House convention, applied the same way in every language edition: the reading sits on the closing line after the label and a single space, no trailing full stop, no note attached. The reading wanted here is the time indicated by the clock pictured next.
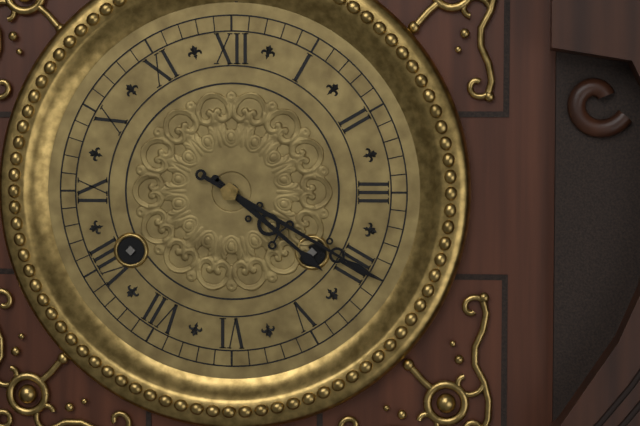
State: 4:20
